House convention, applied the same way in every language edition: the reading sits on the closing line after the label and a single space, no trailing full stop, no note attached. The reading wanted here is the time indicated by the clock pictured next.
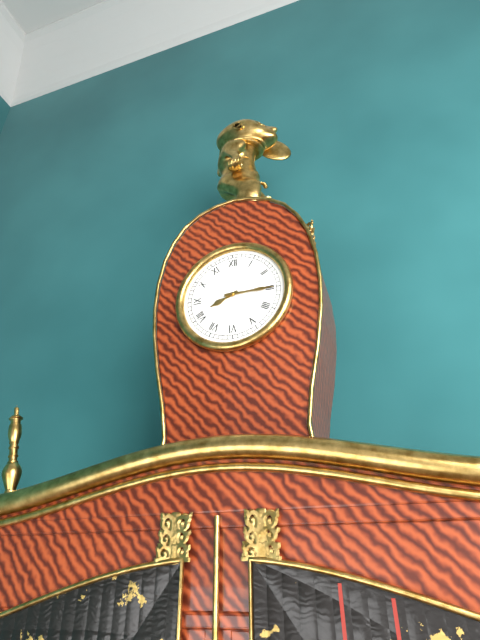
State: 8:15
